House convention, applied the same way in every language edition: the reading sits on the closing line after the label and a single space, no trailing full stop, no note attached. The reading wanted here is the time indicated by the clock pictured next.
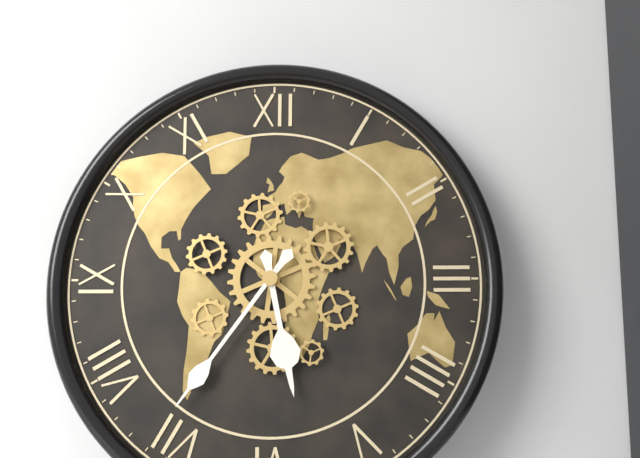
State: 5:36
